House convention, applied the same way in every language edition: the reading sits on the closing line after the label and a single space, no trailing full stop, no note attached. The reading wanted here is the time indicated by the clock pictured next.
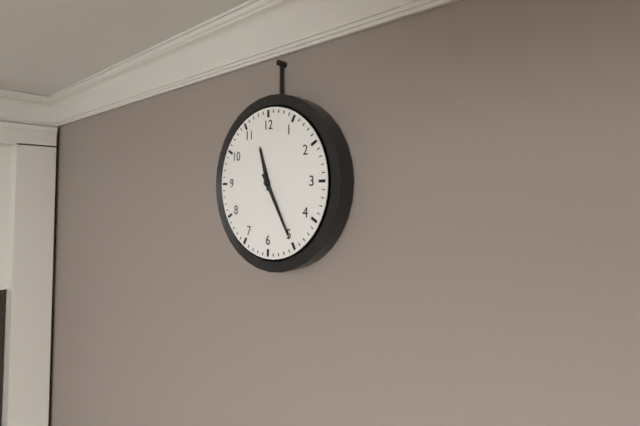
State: 11:25
